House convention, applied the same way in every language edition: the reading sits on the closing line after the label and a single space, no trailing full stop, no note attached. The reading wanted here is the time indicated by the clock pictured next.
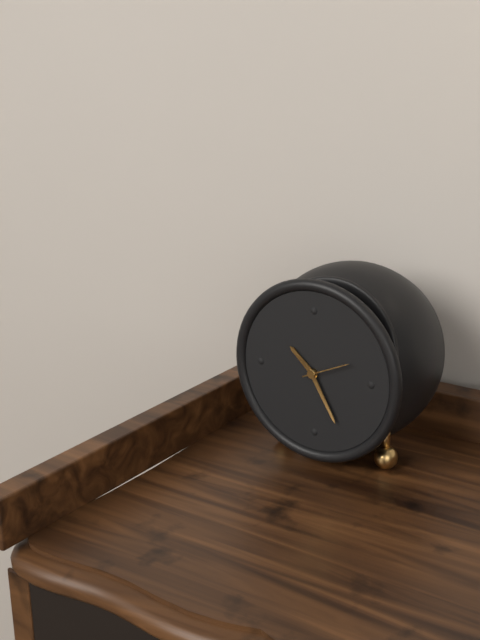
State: 10:25
